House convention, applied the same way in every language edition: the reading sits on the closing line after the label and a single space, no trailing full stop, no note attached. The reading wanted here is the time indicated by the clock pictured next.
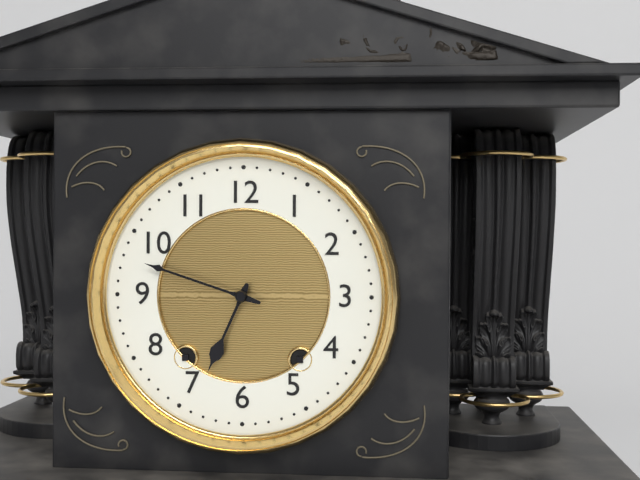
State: 6:48
